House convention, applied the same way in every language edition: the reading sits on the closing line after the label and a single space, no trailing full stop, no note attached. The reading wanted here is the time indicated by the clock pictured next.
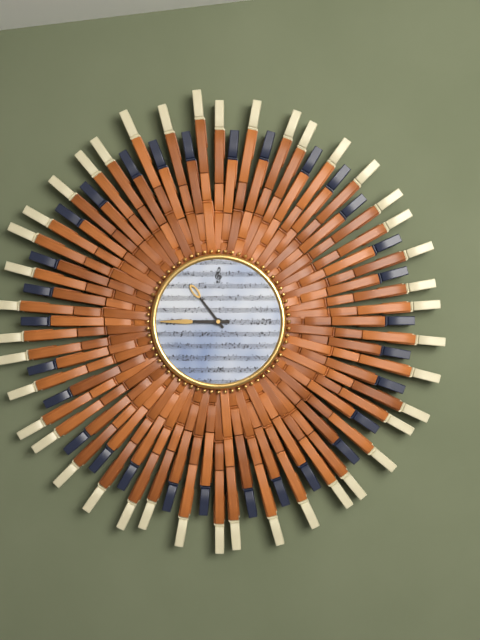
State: 10:45
